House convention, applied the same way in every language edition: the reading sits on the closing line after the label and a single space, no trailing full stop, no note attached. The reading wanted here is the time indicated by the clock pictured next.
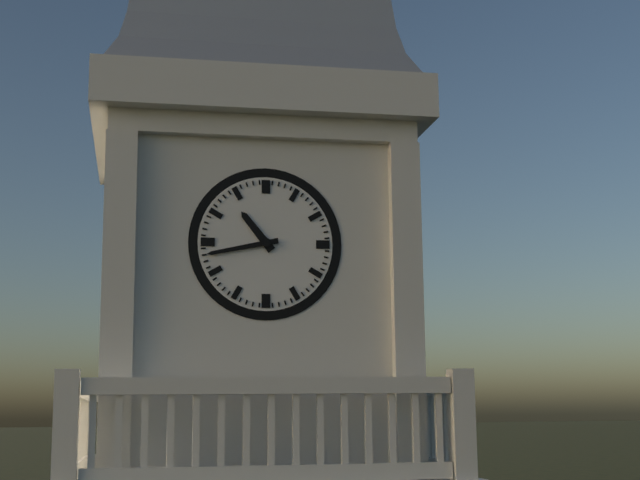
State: 10:43
